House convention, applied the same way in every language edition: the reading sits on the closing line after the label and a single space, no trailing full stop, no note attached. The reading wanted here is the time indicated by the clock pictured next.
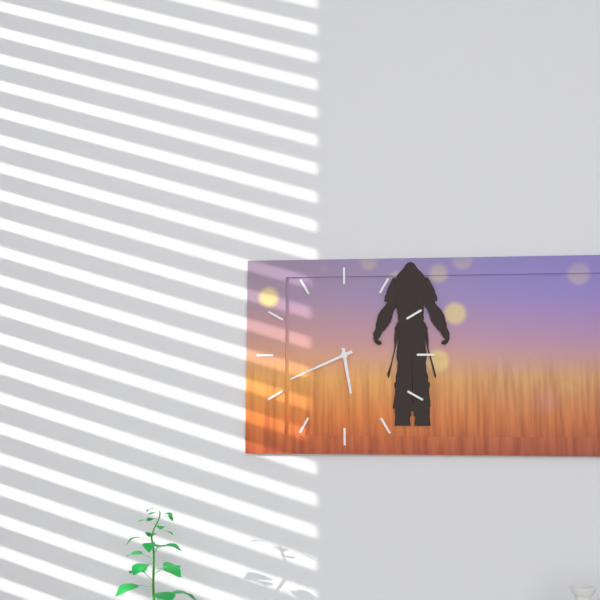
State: 5:41
